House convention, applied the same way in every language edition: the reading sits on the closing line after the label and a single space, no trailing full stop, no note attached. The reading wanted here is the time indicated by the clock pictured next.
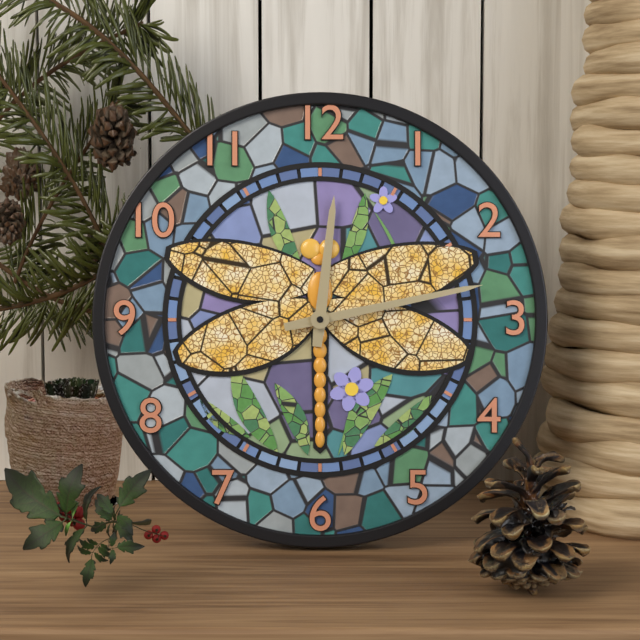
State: 12:13
